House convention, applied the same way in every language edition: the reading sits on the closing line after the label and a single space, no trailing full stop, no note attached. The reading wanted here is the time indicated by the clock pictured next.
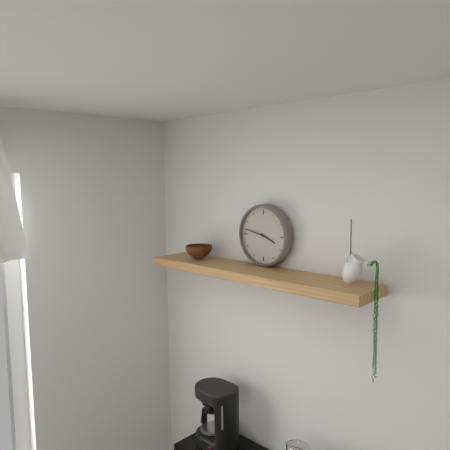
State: 3:47
